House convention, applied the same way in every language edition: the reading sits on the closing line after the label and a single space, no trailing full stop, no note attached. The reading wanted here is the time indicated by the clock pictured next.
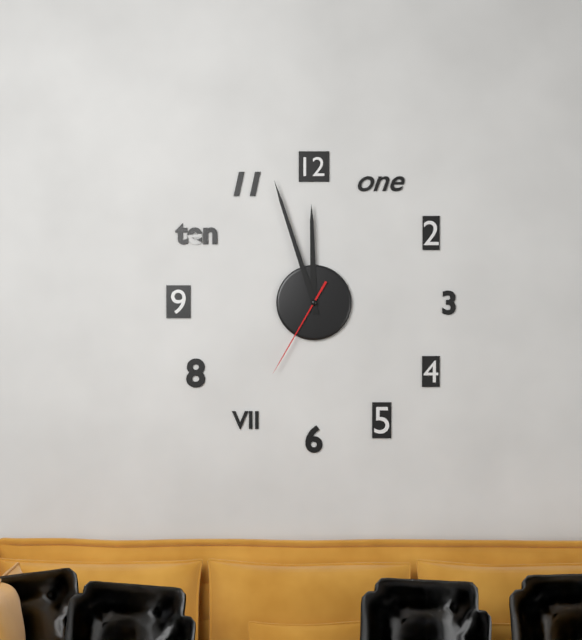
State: 11:57:35
